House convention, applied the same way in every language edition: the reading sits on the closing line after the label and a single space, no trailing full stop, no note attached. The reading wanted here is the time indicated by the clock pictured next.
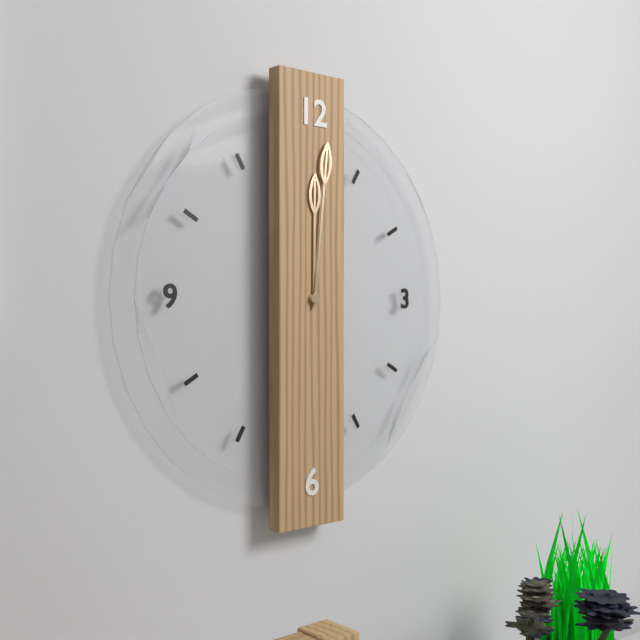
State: 12:01
